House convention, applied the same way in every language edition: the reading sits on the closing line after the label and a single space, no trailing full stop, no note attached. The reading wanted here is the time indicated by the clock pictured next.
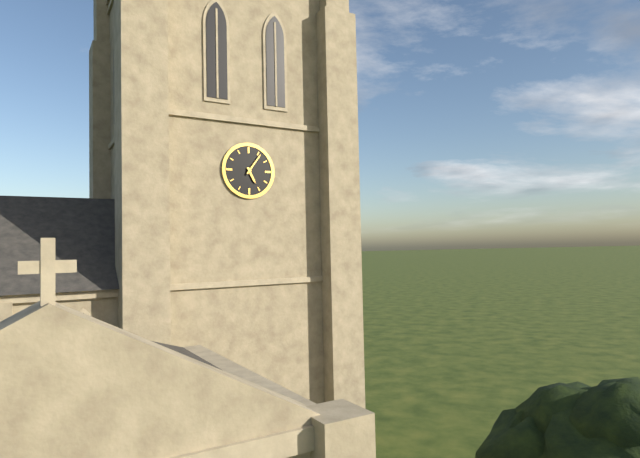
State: 5:06
